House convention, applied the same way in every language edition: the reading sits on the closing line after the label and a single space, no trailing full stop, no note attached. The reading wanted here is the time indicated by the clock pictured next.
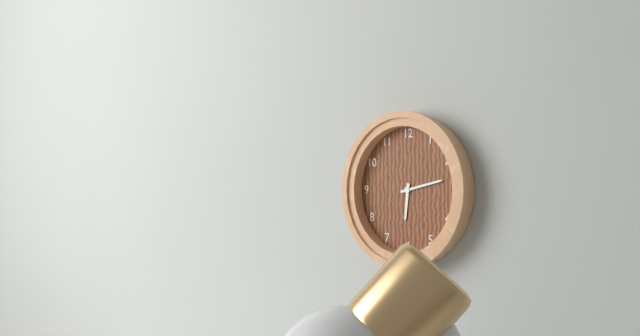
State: 6:13
